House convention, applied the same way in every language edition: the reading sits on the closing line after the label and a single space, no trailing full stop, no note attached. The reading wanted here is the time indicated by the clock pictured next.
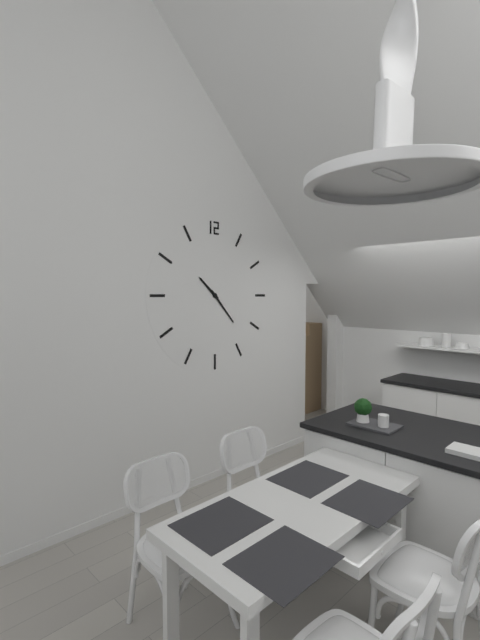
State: 10:23
